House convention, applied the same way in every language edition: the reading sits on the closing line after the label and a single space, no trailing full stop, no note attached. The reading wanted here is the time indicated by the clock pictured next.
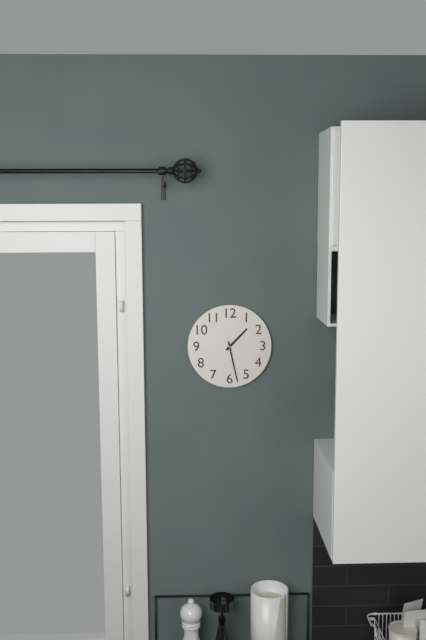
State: 1:28
